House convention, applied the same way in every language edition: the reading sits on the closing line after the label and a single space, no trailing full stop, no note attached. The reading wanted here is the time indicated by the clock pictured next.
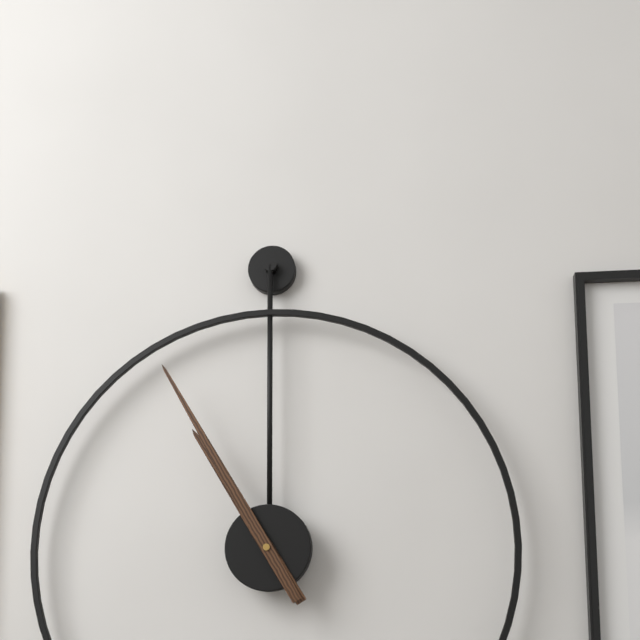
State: 10:55
